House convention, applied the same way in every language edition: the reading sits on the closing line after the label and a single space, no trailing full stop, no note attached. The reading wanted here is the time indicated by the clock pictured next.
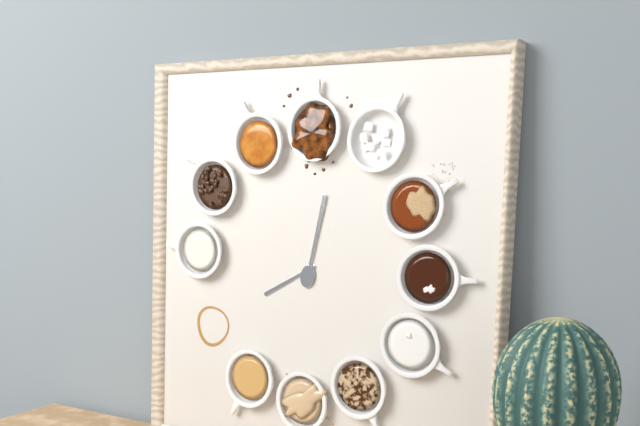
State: 8:02
